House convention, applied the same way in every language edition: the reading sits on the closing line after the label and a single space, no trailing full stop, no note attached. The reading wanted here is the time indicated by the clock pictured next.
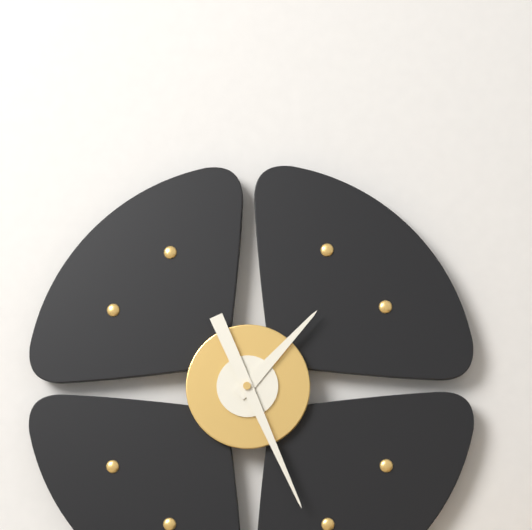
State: 1:26
